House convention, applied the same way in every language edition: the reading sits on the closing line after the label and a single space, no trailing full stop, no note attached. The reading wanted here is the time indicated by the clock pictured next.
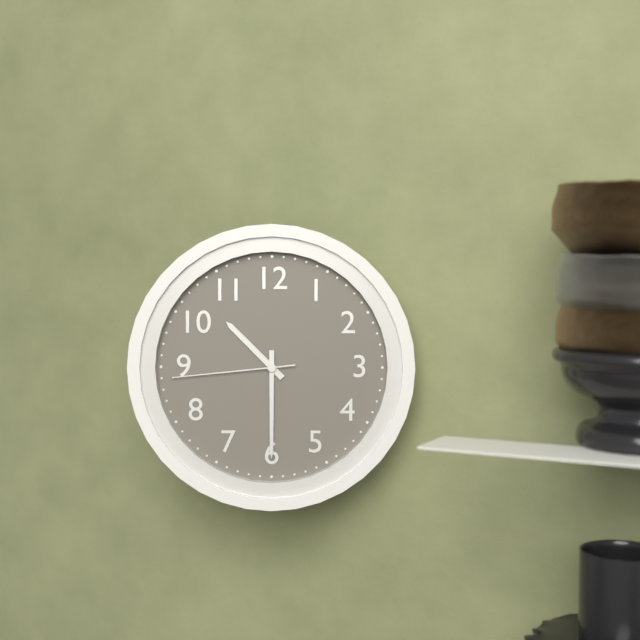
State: 10:30:44
